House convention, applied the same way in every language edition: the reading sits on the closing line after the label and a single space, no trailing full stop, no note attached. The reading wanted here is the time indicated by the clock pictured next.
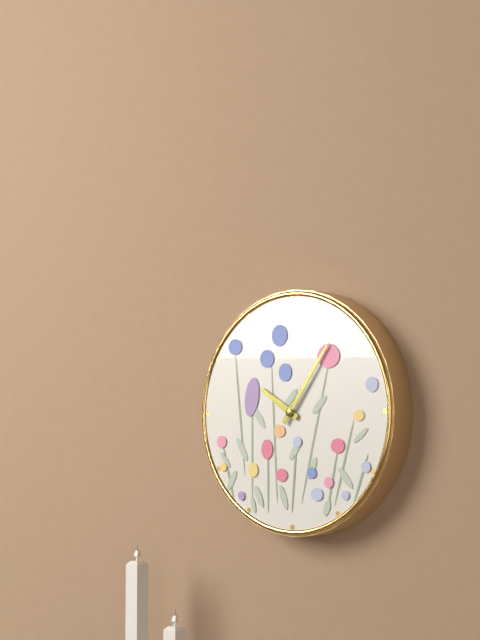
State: 10:06
